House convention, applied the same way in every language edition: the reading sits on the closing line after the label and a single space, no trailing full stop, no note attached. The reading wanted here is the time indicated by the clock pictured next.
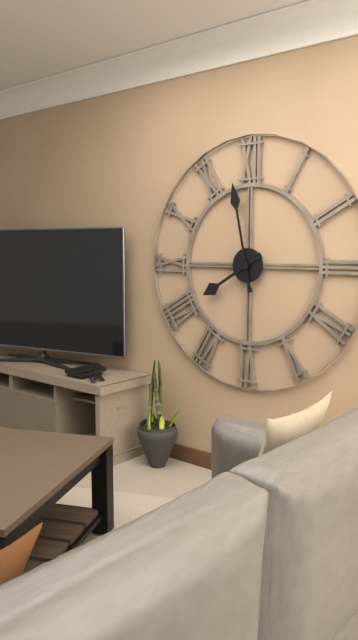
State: 7:58
